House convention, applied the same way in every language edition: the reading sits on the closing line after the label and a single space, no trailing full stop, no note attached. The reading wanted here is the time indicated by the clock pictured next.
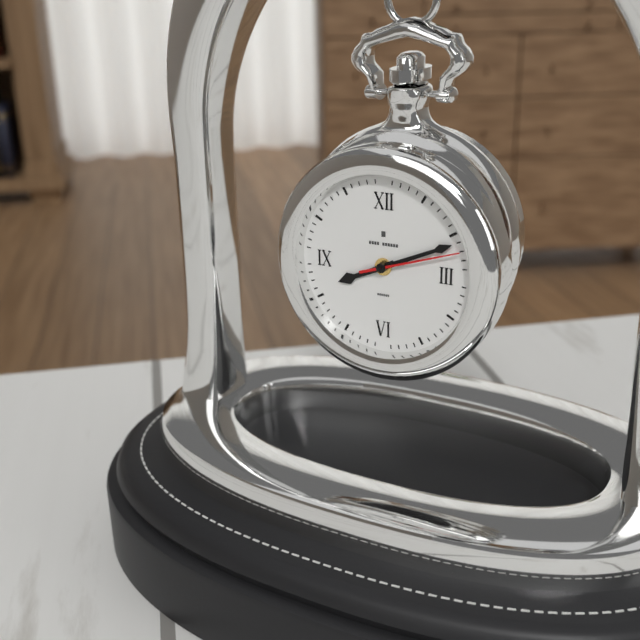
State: 8:11:12
